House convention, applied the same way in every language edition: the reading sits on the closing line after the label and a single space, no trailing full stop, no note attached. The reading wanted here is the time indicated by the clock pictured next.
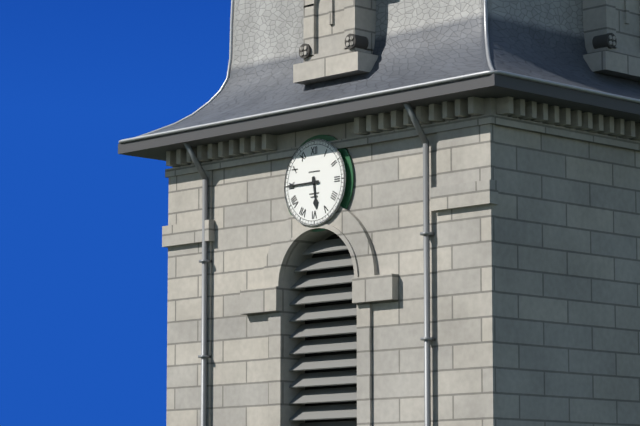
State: 5:45
